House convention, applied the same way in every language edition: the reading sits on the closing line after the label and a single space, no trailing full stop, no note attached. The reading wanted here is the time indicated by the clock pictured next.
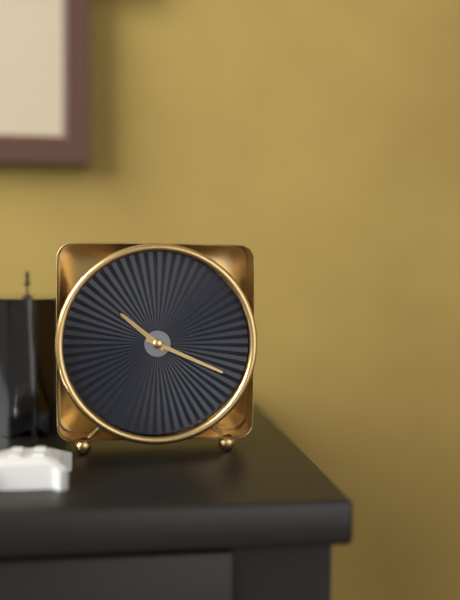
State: 10:19
